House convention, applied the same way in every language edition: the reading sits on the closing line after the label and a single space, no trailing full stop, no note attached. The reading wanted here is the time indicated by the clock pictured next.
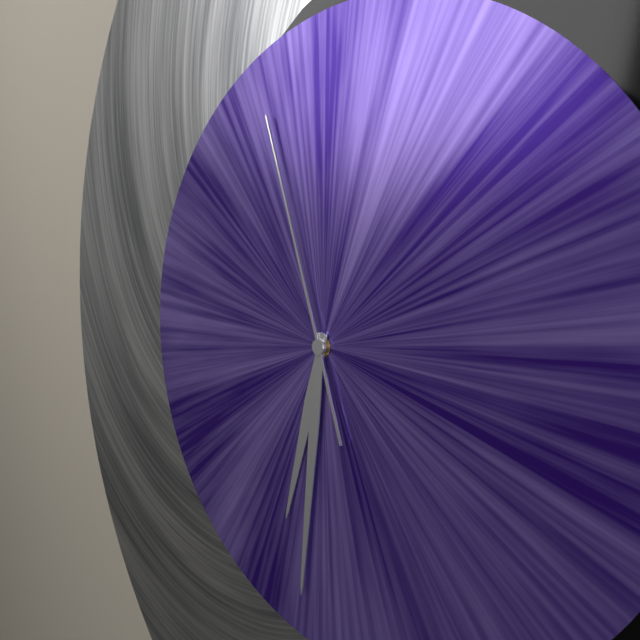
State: 6:31:57
